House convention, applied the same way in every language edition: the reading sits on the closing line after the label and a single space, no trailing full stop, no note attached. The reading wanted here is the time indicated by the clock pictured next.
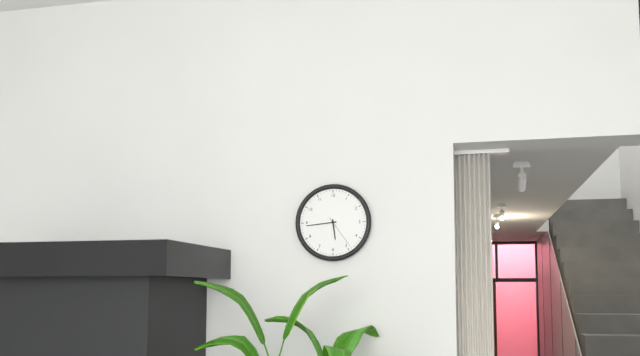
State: 5:44
